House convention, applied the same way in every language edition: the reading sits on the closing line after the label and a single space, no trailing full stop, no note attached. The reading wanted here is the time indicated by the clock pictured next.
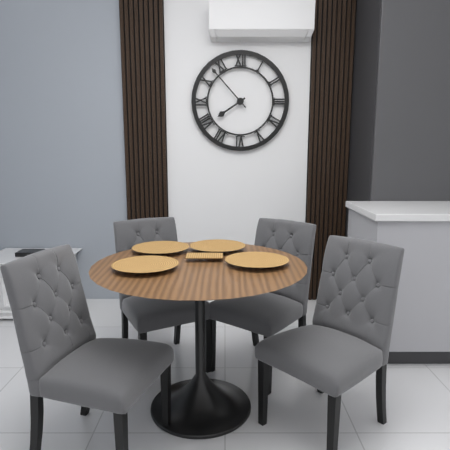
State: 7:53
